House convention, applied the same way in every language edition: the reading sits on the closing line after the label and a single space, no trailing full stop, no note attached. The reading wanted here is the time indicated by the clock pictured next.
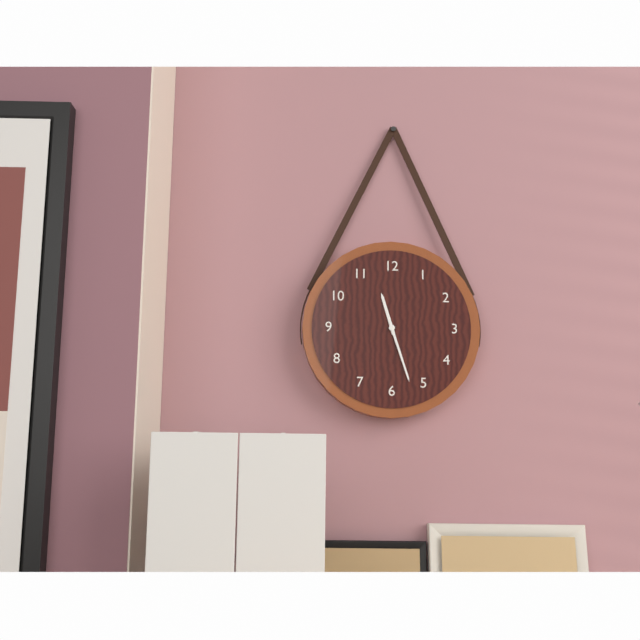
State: 11:27
